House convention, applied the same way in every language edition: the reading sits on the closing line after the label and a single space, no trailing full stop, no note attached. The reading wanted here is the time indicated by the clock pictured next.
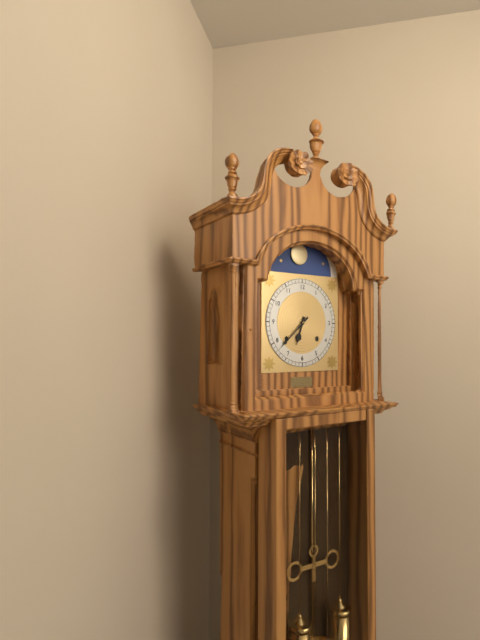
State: 6:38
